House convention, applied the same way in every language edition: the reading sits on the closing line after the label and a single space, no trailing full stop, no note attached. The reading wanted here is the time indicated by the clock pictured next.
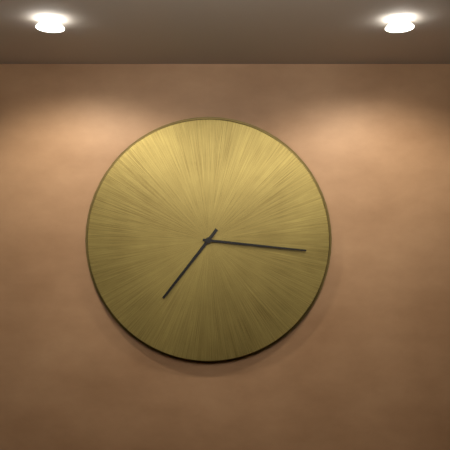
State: 7:16
